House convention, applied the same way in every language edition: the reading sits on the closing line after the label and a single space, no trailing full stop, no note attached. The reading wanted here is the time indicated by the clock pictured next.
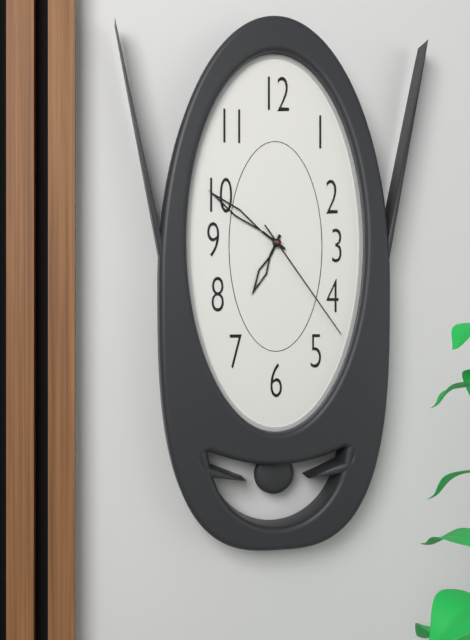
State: 6:51:24
